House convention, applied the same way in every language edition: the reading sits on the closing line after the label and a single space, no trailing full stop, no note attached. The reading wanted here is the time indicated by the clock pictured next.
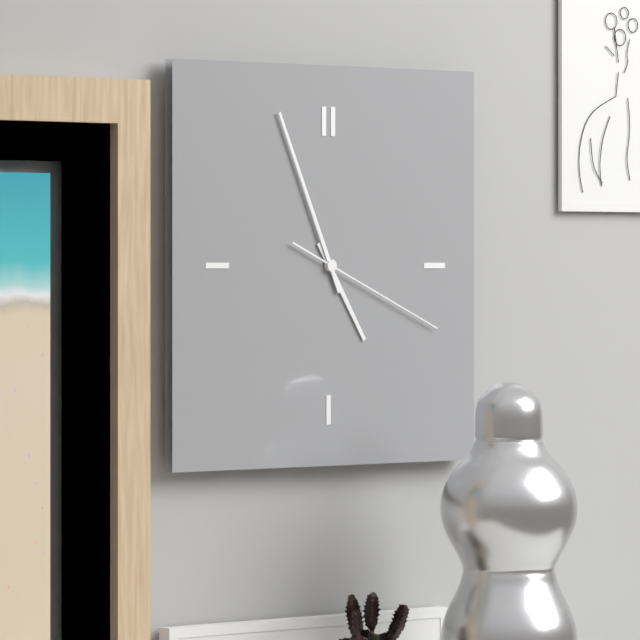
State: 4:56:19
